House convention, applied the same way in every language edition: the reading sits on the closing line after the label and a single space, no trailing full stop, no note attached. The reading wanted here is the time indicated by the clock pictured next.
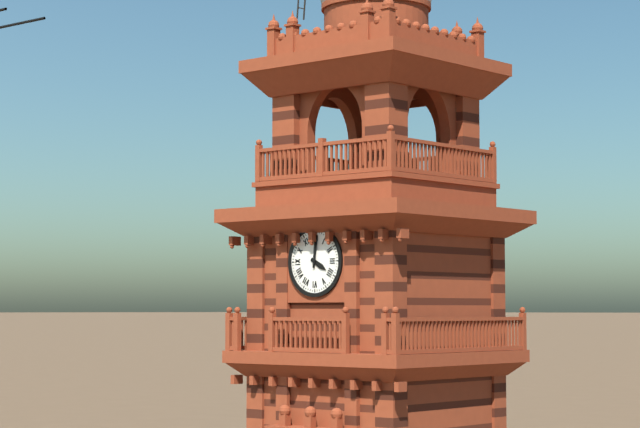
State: 4:01
